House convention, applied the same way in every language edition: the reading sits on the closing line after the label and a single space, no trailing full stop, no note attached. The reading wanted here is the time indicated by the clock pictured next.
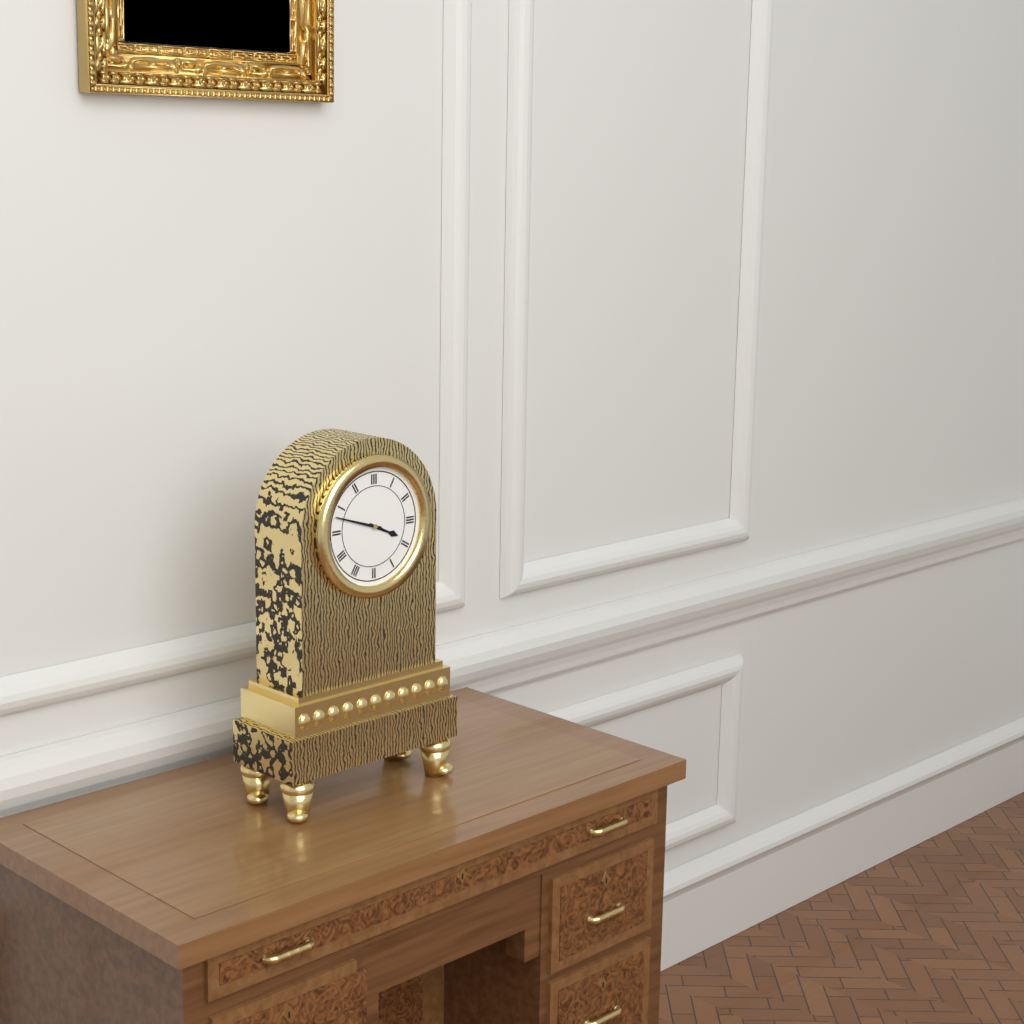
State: 3:48
